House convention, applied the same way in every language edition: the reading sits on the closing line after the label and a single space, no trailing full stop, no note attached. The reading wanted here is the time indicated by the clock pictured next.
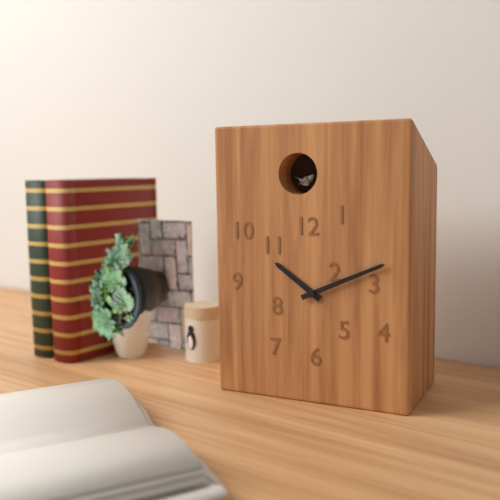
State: 10:11
